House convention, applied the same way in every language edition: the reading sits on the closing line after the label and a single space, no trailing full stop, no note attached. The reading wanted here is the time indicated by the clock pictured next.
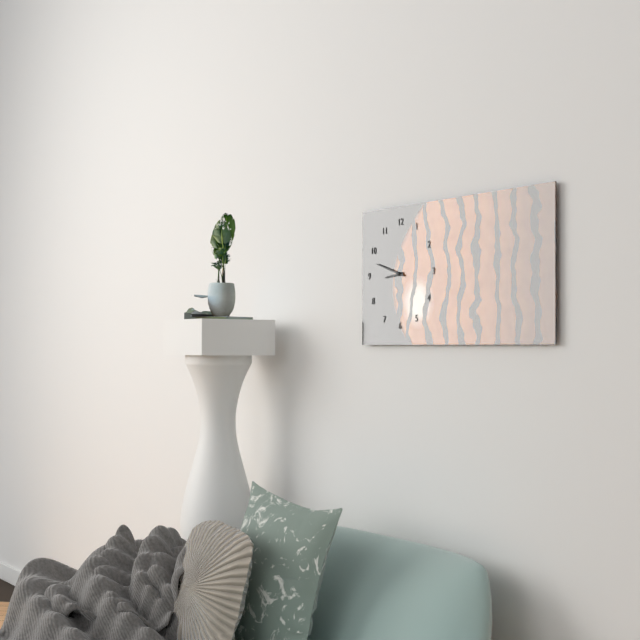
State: 8:48
